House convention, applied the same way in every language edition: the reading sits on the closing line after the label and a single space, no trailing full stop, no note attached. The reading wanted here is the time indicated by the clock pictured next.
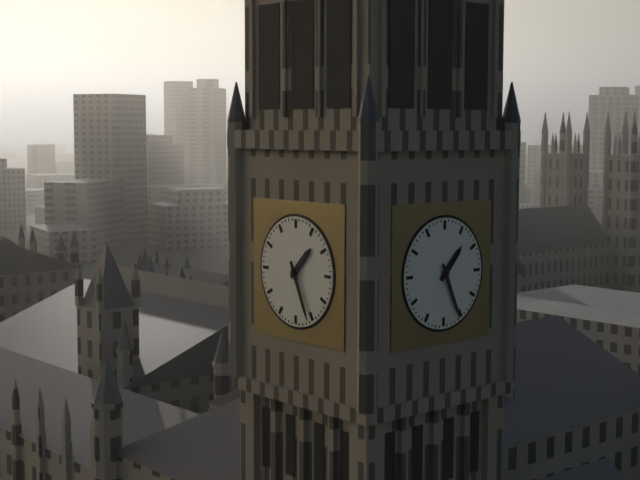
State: 1:26
